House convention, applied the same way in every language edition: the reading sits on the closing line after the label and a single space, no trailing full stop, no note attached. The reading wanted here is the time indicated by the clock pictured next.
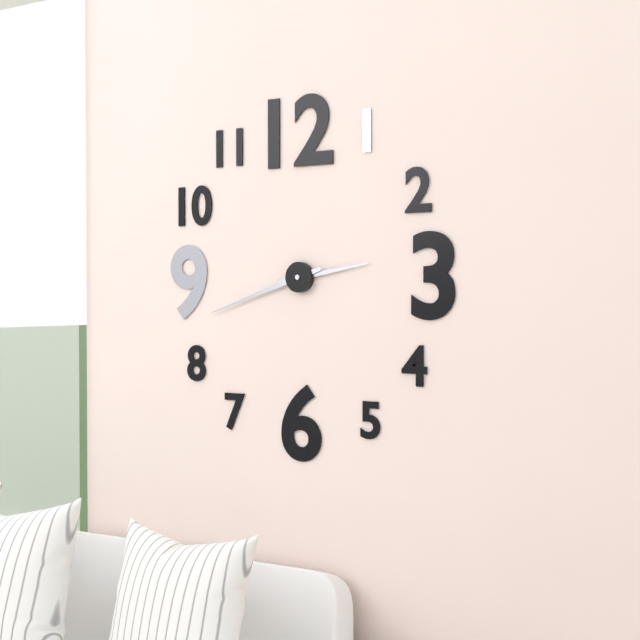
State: 2:42
